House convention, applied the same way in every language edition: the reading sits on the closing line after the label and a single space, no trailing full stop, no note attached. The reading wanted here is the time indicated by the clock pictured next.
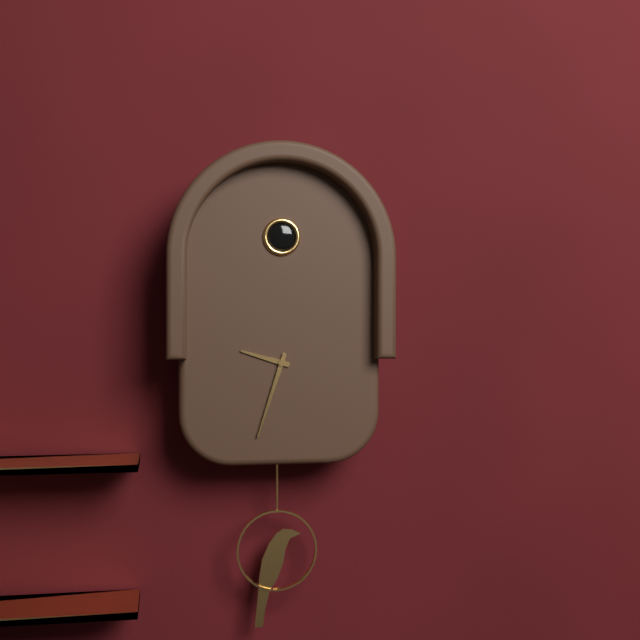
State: 9:33
